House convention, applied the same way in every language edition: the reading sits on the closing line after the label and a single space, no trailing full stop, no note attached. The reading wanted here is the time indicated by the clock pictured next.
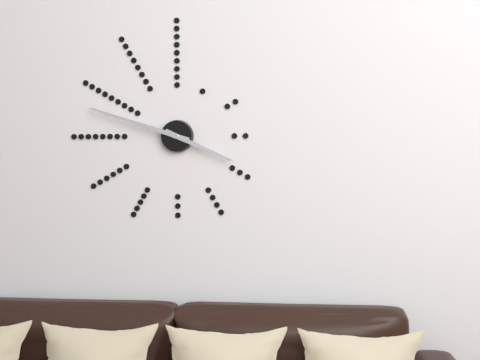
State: 3:48
